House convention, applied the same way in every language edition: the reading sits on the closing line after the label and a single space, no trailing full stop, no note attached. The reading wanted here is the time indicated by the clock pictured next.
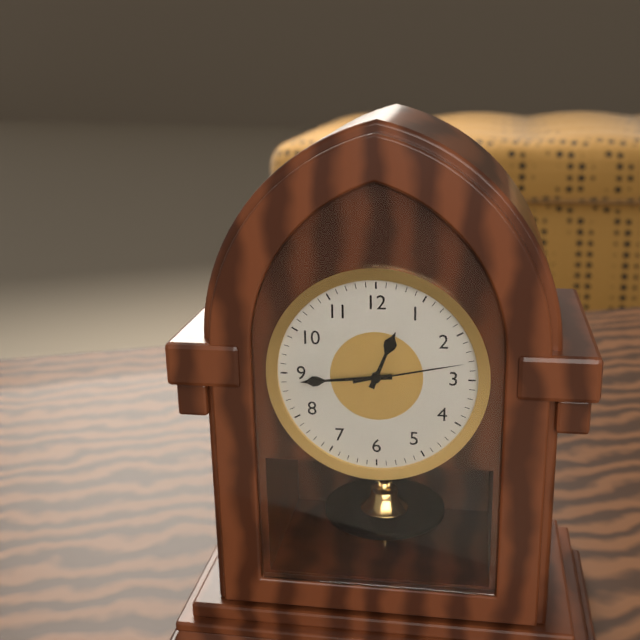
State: 12:44:13
